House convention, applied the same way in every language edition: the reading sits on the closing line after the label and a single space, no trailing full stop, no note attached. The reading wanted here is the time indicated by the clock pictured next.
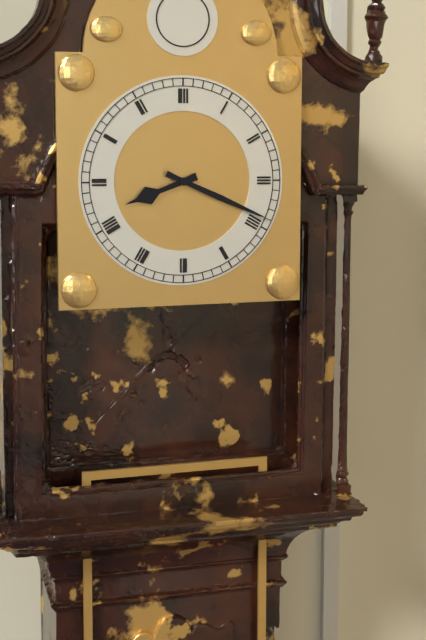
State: 8:19
